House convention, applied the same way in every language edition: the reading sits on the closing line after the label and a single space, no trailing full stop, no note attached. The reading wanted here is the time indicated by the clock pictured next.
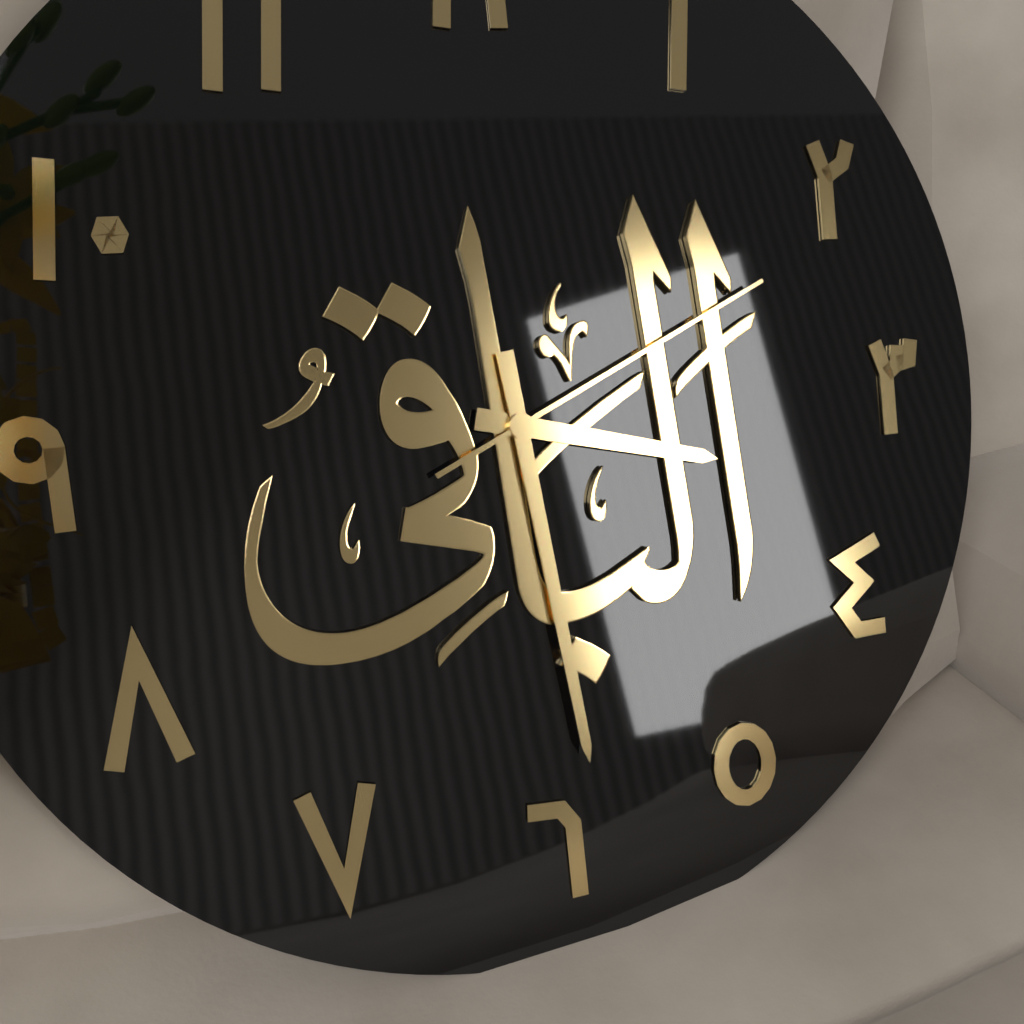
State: 3:29:11
